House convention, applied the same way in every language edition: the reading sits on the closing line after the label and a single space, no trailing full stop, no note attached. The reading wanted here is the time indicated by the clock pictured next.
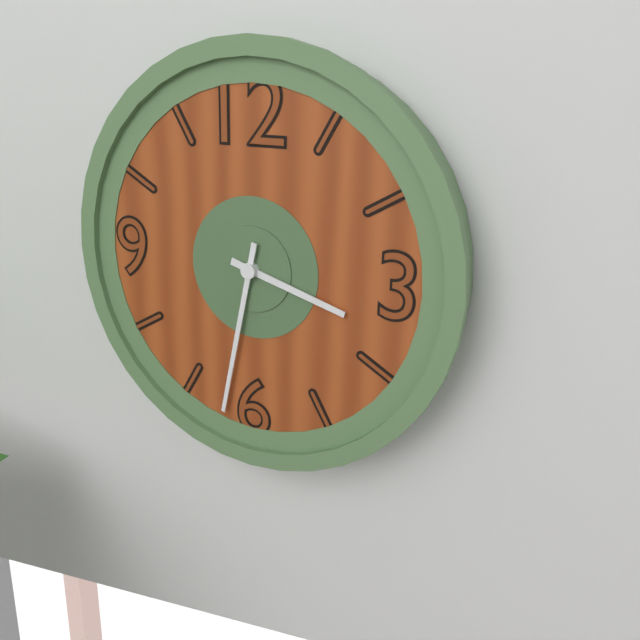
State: 3:32
